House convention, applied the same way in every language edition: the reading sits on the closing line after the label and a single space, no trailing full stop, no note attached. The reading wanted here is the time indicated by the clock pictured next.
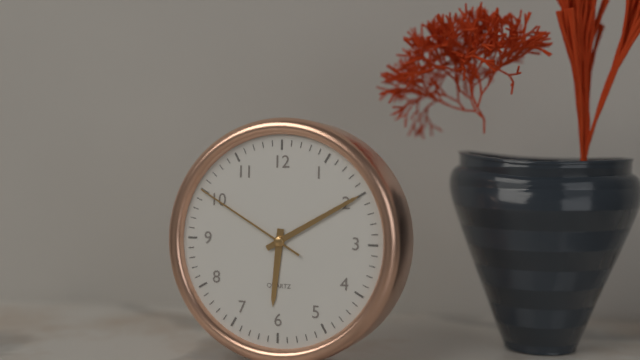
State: 6:10:50
